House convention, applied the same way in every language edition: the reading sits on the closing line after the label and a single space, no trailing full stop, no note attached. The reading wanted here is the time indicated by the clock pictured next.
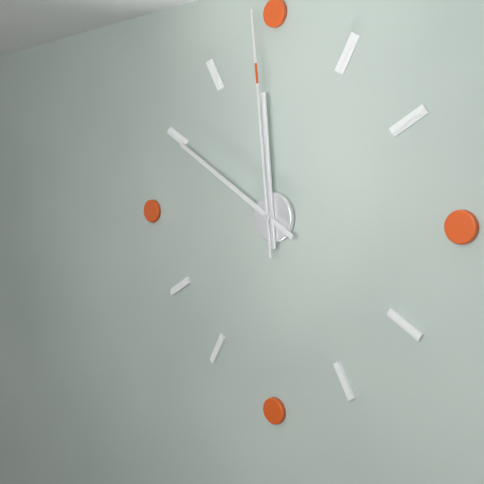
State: 11:50:59
